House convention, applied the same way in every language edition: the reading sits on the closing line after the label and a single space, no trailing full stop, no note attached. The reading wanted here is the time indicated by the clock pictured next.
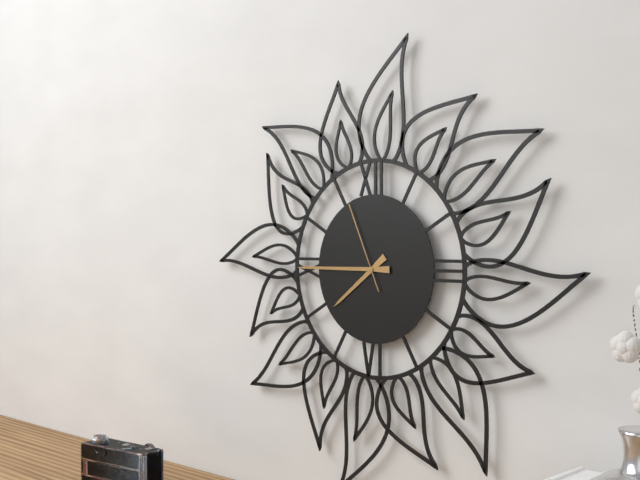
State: 7:45:56
